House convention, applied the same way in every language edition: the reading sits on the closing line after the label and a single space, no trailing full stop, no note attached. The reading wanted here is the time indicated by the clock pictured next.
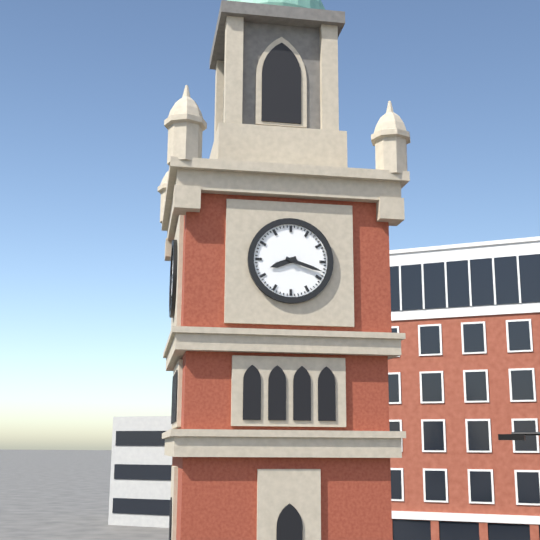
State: 8:18
